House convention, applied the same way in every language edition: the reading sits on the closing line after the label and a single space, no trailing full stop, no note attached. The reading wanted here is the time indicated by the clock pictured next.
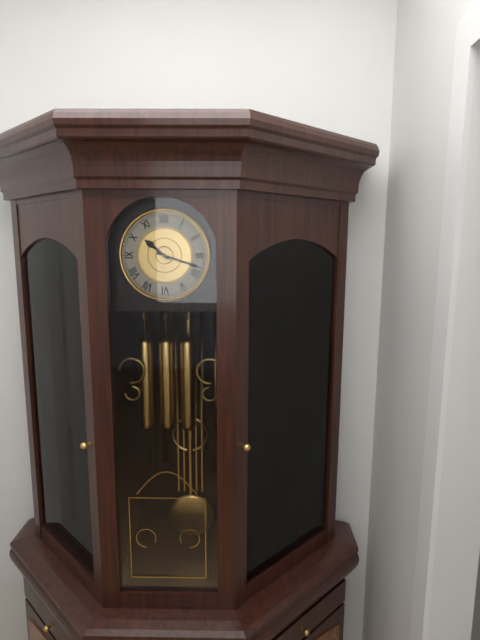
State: 10:18
